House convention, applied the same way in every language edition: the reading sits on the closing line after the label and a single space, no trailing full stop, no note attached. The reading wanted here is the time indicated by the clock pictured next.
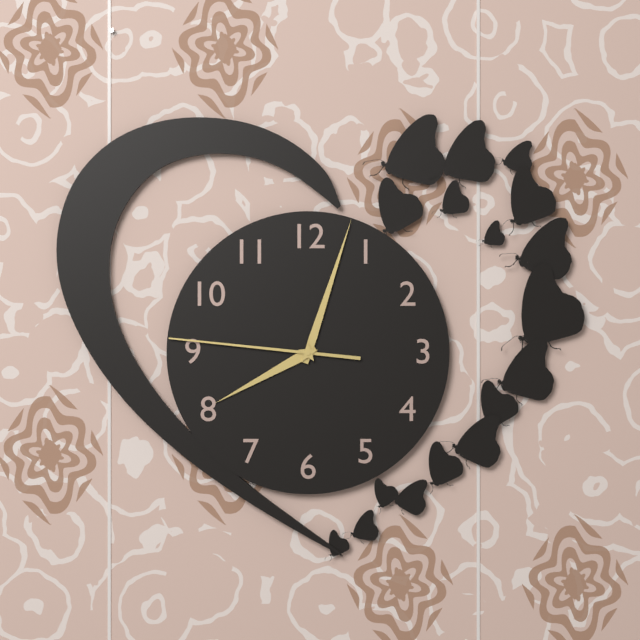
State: 8:03:46
